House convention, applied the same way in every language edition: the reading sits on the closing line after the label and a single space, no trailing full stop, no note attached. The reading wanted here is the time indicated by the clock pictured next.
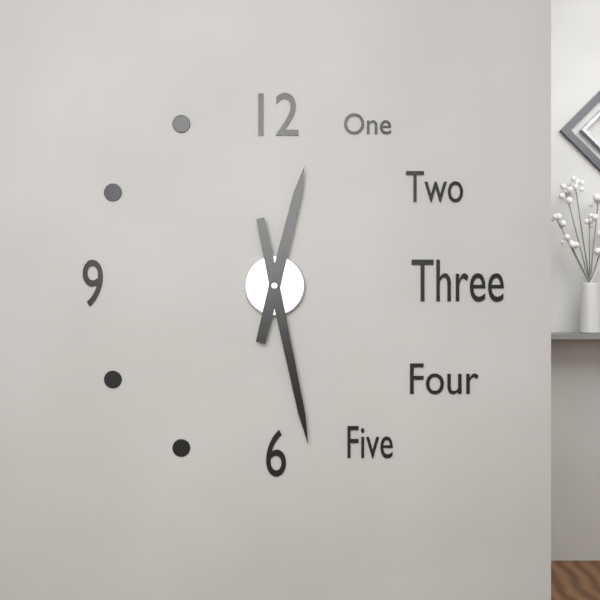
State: 12:28
